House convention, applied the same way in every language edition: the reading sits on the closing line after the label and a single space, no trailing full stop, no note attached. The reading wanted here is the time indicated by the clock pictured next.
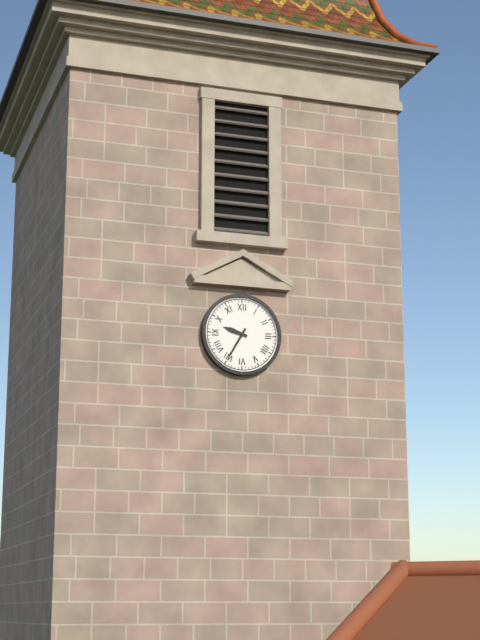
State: 9:35
